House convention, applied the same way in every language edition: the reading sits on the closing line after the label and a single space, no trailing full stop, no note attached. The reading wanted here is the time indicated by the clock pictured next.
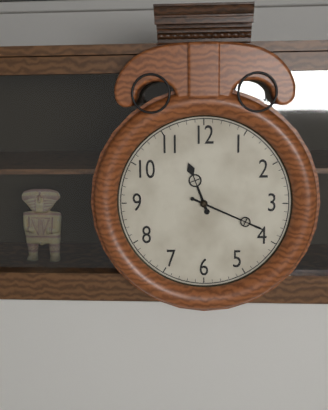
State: 11:19
